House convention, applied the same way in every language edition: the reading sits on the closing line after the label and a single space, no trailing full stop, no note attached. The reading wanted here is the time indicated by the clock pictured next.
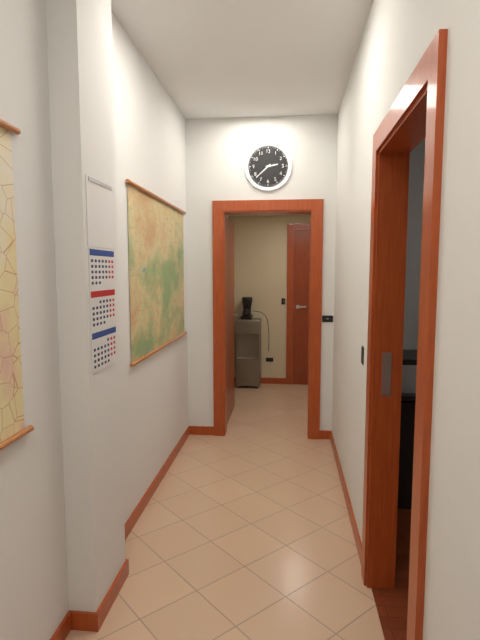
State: 2:38
